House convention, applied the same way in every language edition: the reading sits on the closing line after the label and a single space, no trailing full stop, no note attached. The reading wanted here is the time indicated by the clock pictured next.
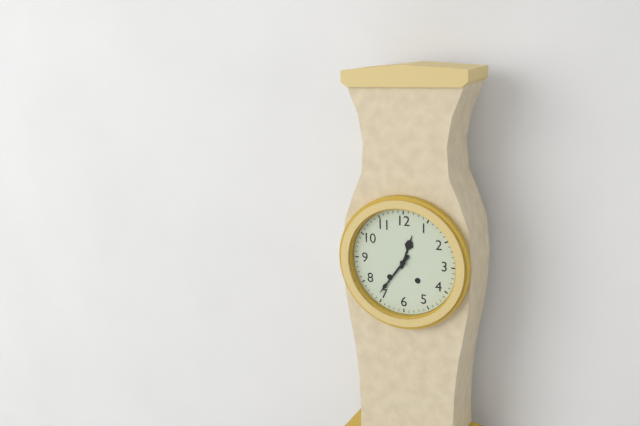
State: 12:36
